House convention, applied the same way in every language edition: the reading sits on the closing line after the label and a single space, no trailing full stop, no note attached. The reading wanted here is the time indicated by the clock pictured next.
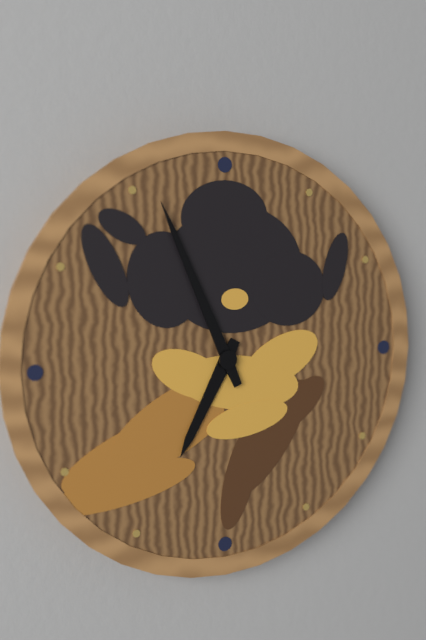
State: 6:56
